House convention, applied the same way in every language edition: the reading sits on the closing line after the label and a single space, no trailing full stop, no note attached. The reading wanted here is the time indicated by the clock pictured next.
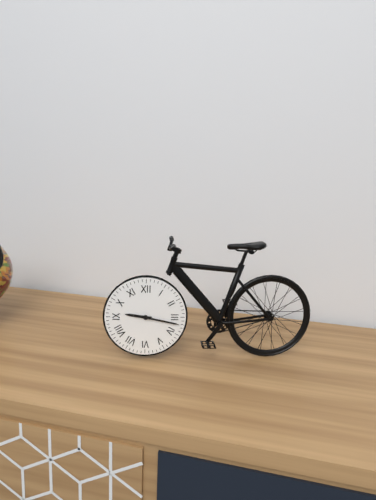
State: 9:17
